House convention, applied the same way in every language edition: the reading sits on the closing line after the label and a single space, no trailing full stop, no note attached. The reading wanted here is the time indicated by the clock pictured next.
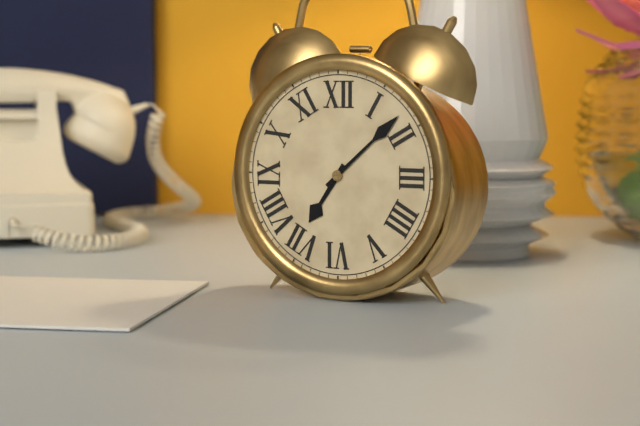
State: 7:08
